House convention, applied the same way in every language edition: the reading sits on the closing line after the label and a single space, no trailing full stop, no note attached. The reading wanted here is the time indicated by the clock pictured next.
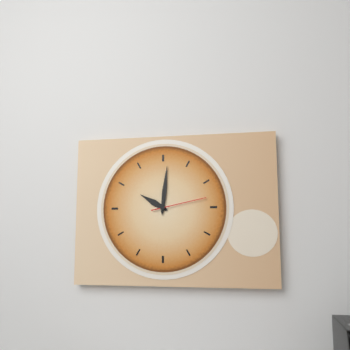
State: 10:01:13
